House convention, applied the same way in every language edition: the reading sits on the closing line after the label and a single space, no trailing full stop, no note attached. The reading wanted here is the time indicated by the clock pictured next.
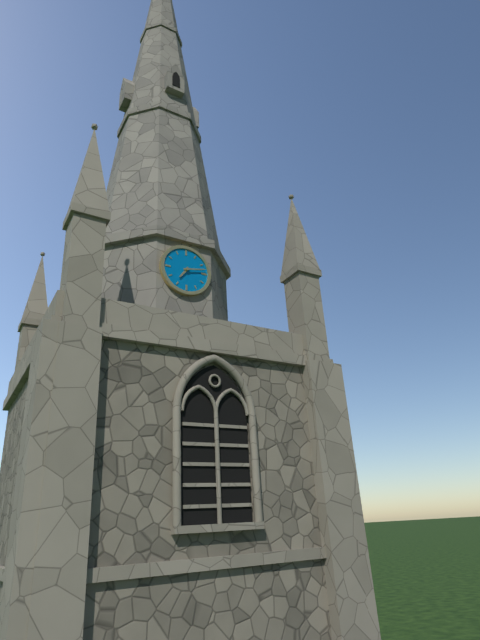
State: 7:13
